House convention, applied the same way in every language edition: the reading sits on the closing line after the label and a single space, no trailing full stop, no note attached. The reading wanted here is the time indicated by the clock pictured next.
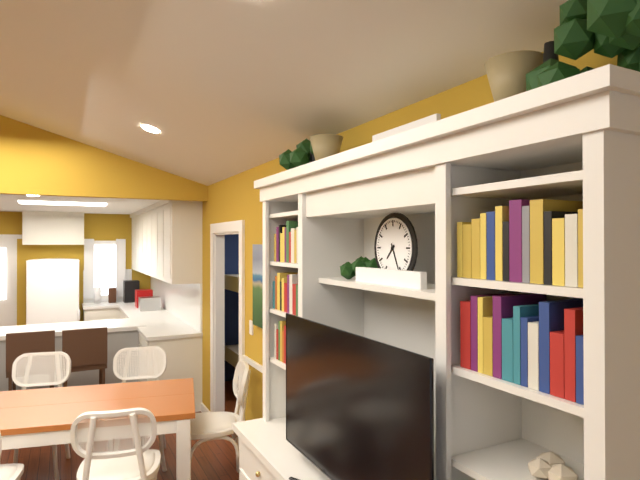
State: 7:26
